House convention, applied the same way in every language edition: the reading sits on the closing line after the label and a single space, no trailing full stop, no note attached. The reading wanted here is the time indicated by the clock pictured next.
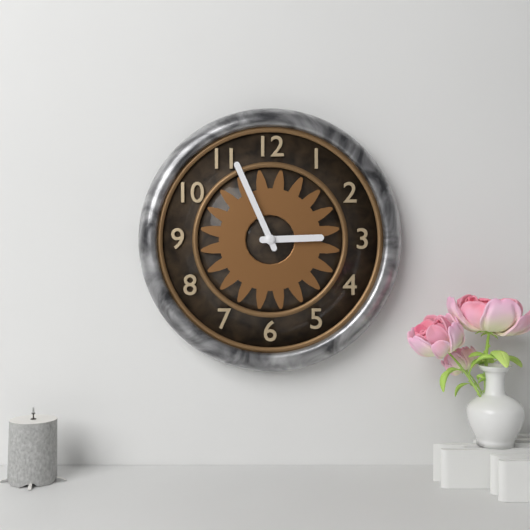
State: 2:56
